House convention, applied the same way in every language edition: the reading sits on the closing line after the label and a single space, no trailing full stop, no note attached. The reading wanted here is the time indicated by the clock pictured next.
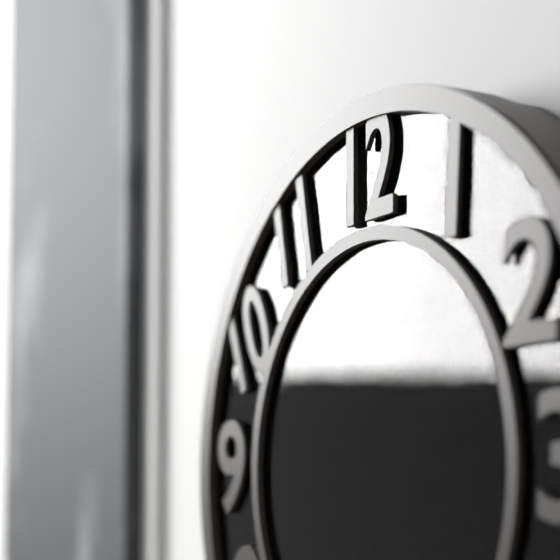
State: 11:53
